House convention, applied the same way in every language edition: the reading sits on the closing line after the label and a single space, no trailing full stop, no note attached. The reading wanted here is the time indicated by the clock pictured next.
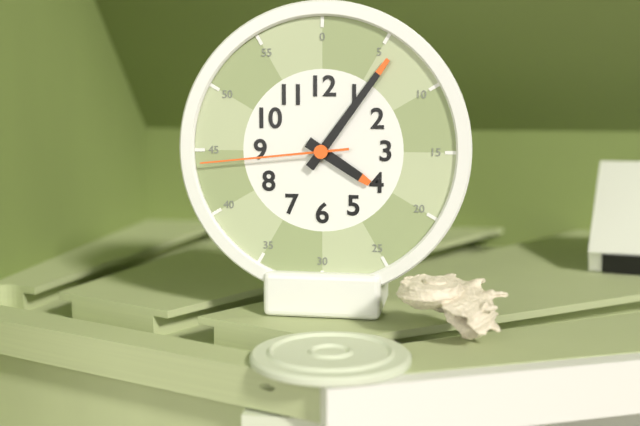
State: 4:06:44
